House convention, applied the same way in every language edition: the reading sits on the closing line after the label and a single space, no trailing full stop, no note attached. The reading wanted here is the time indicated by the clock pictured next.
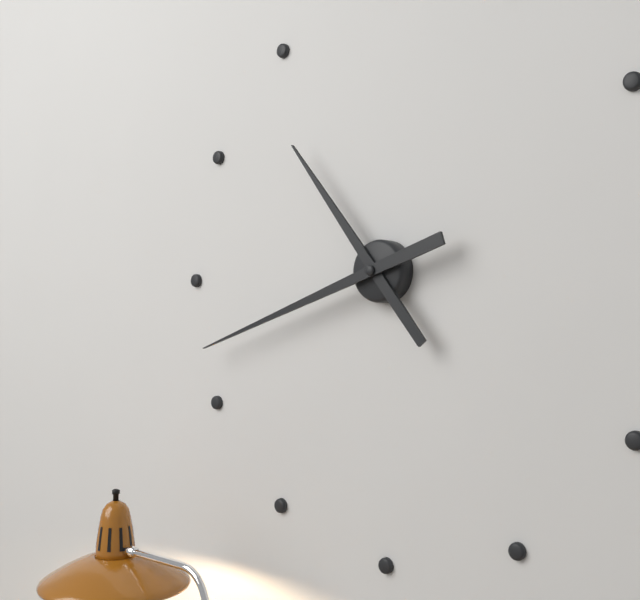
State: 10:42
